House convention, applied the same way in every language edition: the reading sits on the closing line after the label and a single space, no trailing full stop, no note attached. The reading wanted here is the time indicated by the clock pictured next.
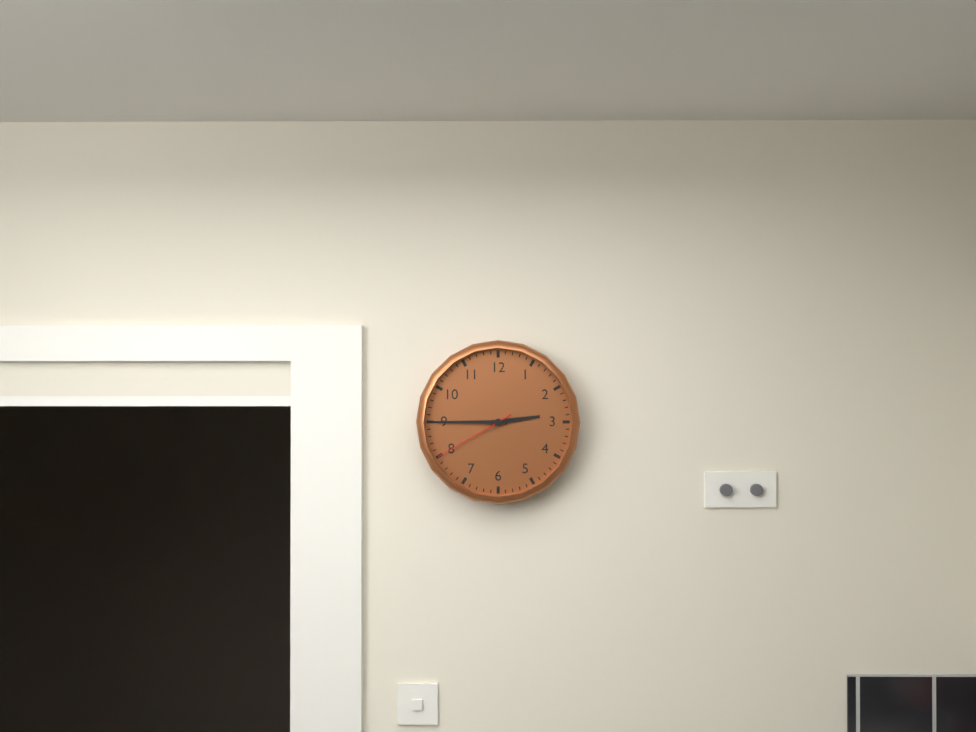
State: 2:45:40
